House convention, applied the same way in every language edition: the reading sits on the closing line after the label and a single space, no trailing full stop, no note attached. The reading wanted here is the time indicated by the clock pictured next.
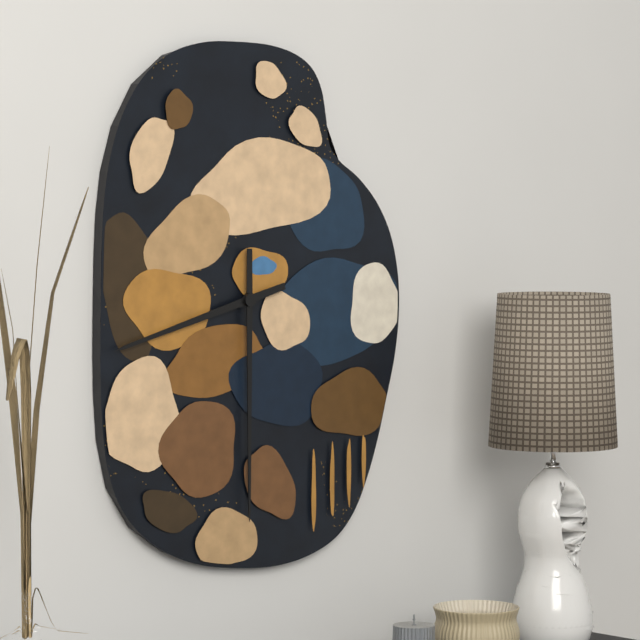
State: 8:30
